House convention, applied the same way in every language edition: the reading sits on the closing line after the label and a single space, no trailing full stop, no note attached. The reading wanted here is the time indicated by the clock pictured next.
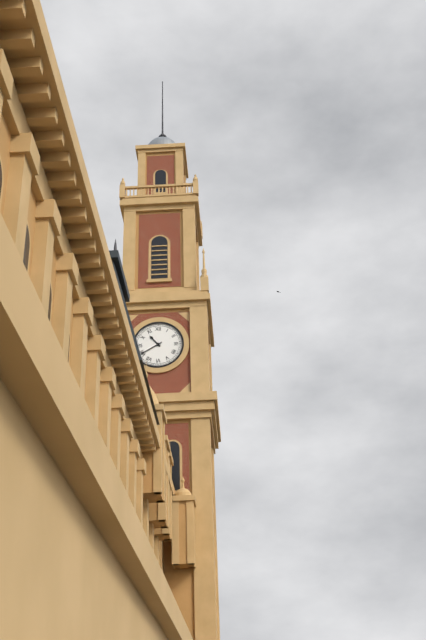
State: 10:40
